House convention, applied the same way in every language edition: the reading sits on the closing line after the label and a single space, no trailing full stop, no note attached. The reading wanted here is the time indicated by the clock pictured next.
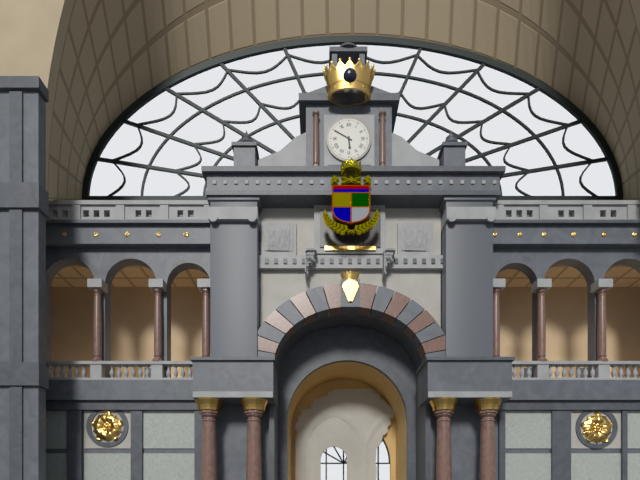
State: 5:50
